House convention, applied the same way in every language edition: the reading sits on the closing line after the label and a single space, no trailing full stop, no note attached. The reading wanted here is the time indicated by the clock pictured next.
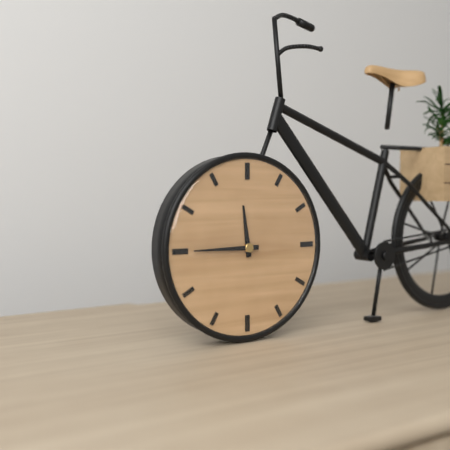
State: 11:45
